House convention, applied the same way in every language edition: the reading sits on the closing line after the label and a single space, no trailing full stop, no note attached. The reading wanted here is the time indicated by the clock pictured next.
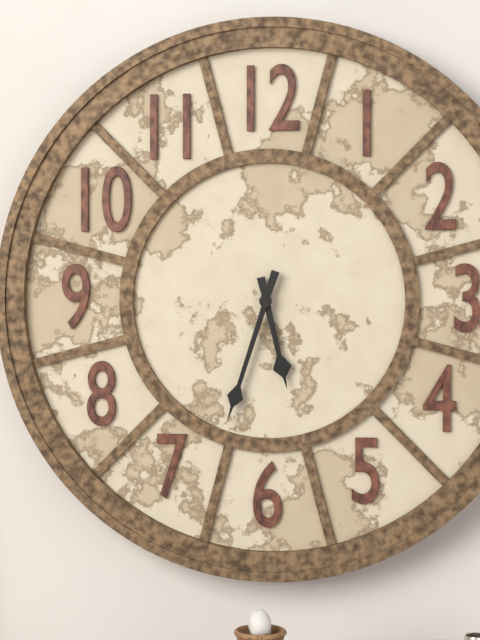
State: 5:33
